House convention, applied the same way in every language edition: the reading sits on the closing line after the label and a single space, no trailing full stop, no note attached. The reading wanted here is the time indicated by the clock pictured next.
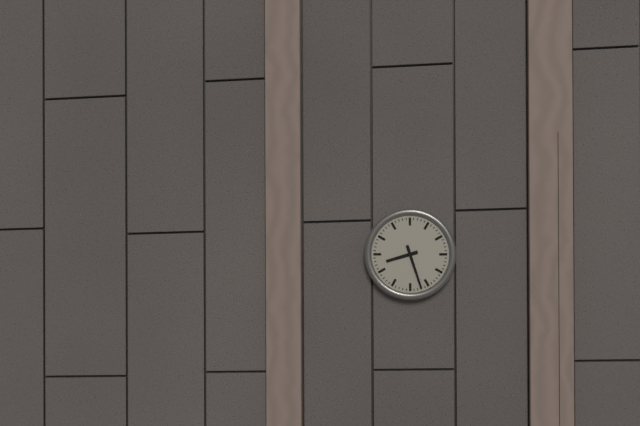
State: 8:27
